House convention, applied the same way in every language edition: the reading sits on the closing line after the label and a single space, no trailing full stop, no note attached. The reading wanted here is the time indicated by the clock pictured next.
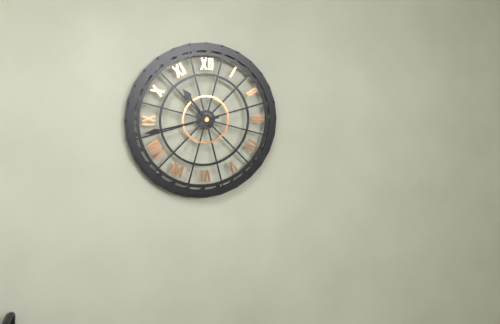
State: 10:43
